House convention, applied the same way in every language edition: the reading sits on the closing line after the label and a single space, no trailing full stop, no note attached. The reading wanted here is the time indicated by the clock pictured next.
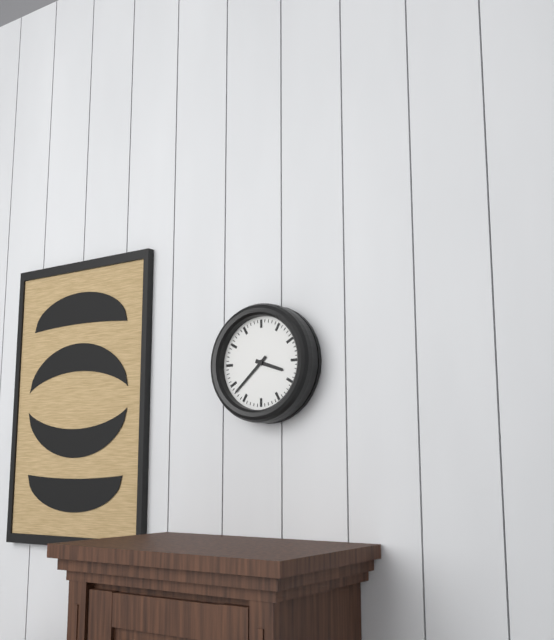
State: 3:38
